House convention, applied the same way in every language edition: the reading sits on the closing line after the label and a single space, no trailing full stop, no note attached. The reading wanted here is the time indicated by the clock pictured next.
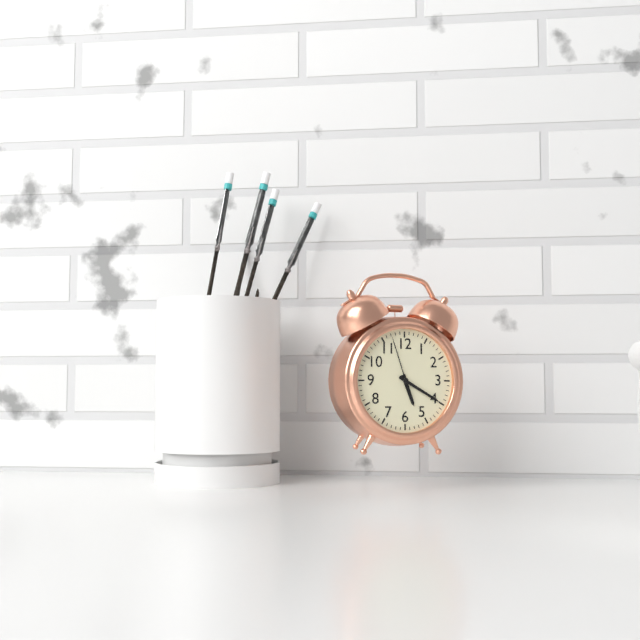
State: 5:20:57
